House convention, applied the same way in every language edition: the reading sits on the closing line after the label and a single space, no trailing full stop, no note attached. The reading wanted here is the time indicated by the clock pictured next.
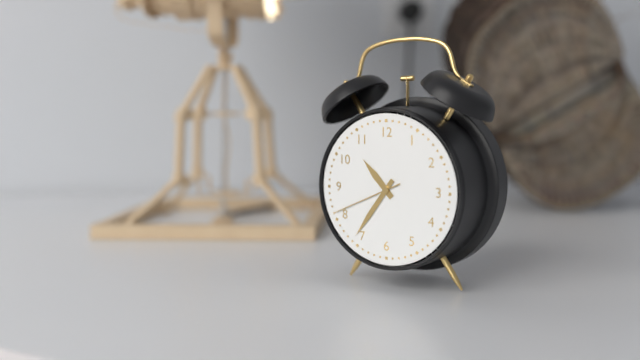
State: 10:36:41
